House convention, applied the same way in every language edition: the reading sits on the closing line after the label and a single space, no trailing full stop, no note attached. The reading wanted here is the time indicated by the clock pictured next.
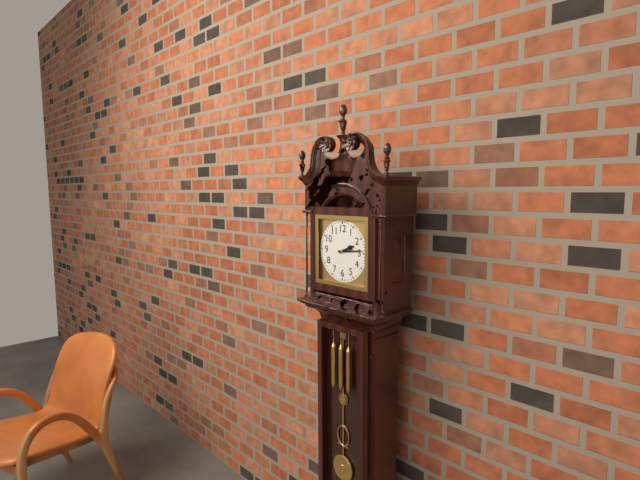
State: 2:14
